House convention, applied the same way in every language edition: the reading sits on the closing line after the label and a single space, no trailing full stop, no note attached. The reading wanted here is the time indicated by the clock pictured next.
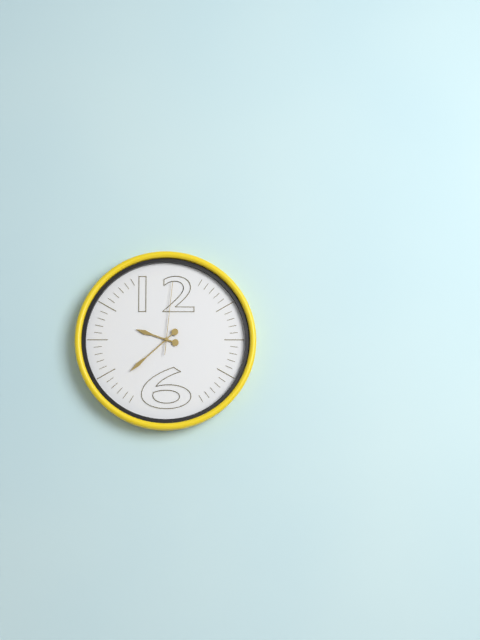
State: 9:38:01
